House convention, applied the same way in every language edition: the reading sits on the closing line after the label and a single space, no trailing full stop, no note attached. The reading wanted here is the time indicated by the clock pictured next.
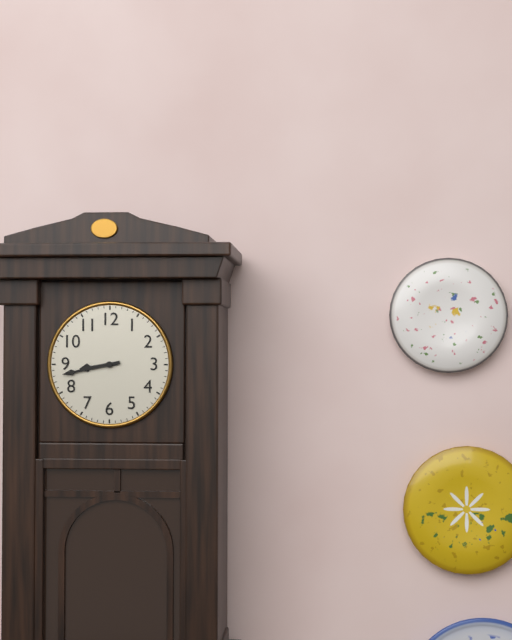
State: 8:43
